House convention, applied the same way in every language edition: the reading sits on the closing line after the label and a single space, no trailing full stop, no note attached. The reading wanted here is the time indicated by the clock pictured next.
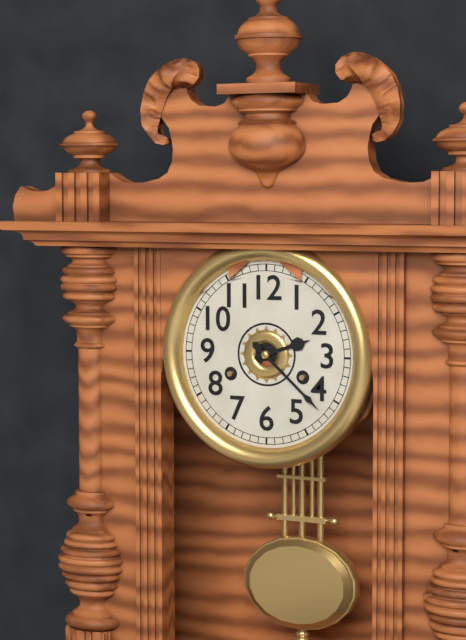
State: 2:22
